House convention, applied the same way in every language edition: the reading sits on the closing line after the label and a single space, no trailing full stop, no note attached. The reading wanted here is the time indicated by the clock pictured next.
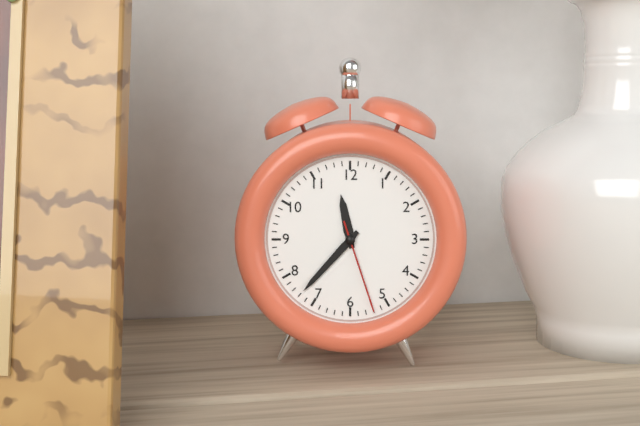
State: 11:37:27
